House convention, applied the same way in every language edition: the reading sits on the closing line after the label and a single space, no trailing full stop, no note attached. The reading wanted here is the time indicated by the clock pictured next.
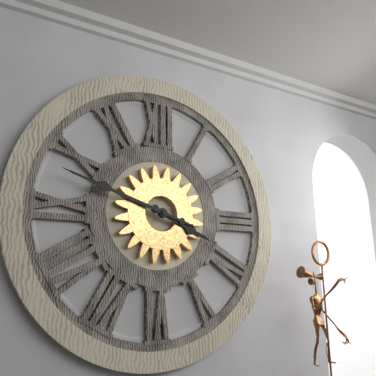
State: 3:48
